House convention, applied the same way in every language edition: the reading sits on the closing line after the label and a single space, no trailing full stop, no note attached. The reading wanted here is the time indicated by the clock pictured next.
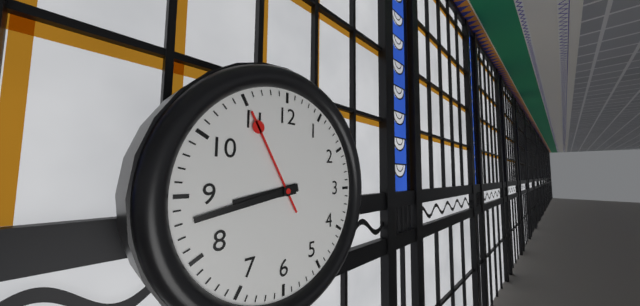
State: 8:43:55
